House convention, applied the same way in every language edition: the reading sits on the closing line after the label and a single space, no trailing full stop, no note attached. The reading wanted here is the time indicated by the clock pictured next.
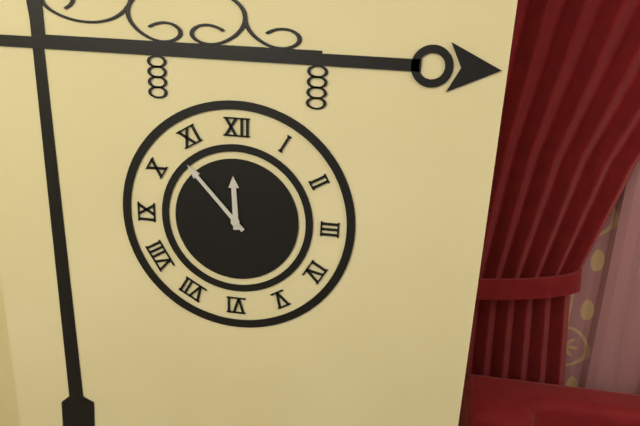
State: 11:53
